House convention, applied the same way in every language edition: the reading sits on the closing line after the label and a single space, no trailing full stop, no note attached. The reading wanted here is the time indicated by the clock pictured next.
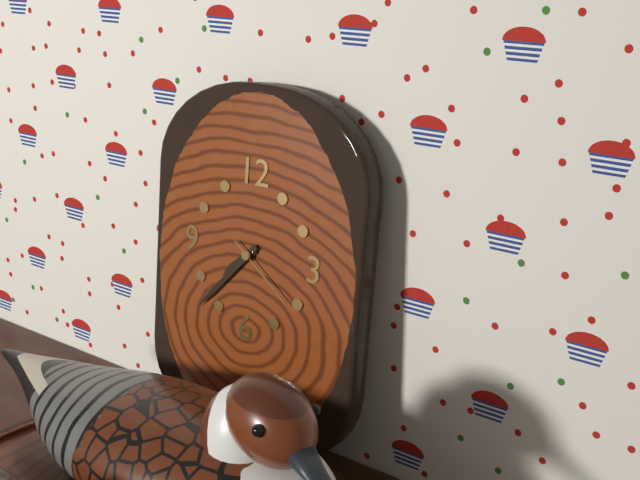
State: 7:37:21
